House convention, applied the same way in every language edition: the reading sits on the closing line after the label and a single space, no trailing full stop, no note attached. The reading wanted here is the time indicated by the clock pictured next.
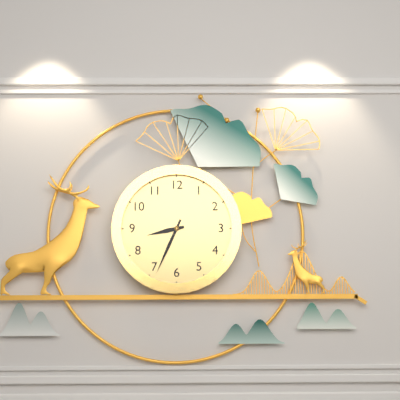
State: 8:34
